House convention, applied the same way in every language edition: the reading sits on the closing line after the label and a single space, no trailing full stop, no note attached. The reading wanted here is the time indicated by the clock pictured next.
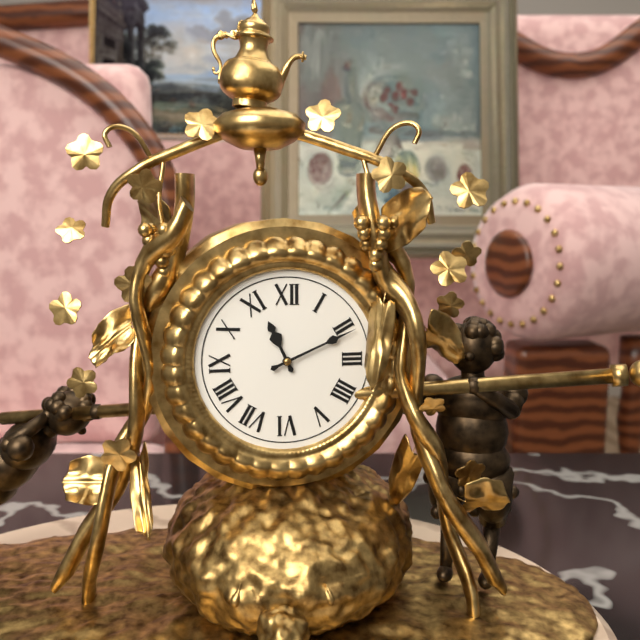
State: 11:11
